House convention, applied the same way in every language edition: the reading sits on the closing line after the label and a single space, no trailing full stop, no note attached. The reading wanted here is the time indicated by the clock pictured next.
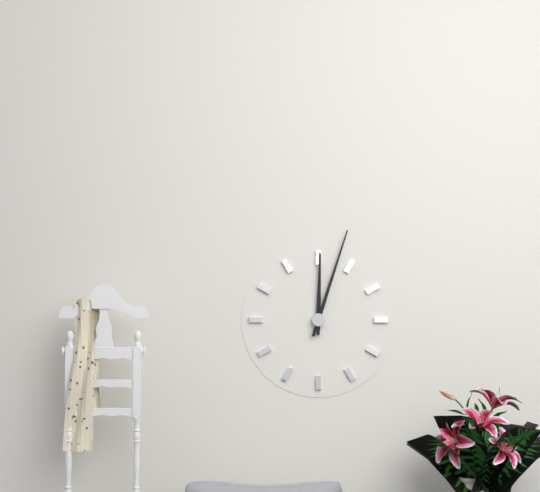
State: 12:03
